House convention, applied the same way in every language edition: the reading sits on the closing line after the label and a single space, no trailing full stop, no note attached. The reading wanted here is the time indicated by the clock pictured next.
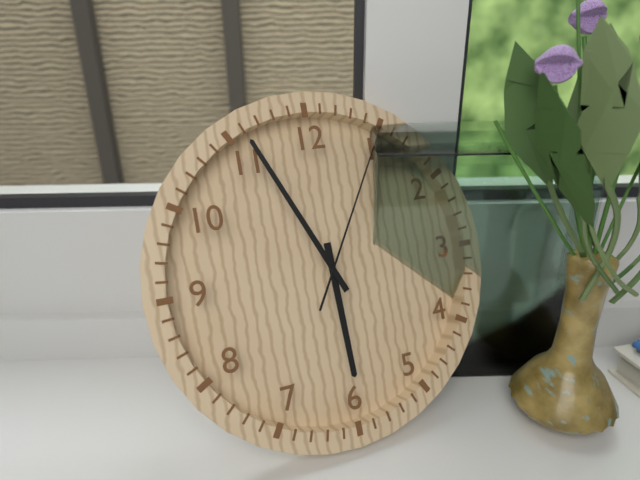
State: 5:56:05
